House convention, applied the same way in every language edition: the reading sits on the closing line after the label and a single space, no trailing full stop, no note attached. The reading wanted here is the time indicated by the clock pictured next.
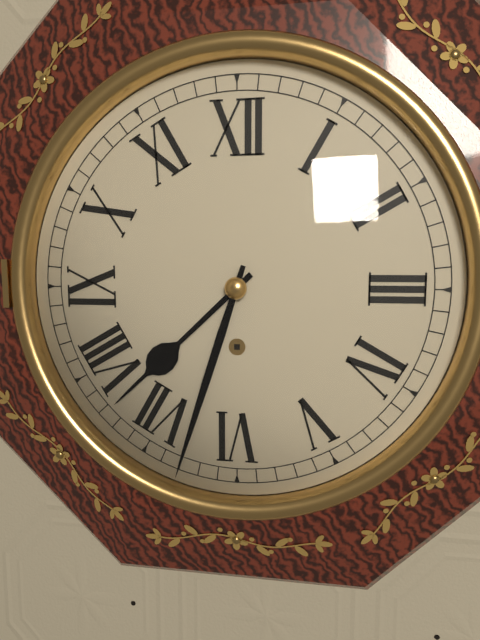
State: 7:33
